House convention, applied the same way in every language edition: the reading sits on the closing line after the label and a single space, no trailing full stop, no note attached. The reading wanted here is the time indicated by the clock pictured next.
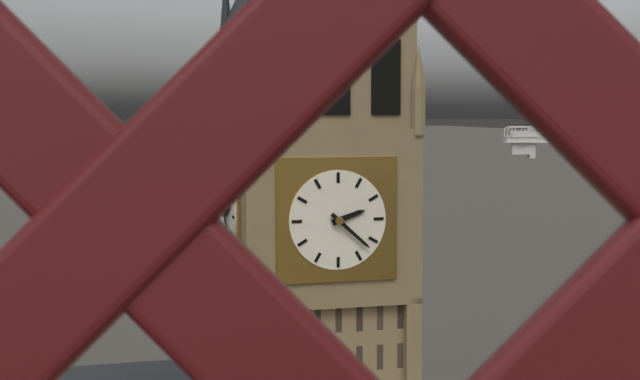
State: 2:22
